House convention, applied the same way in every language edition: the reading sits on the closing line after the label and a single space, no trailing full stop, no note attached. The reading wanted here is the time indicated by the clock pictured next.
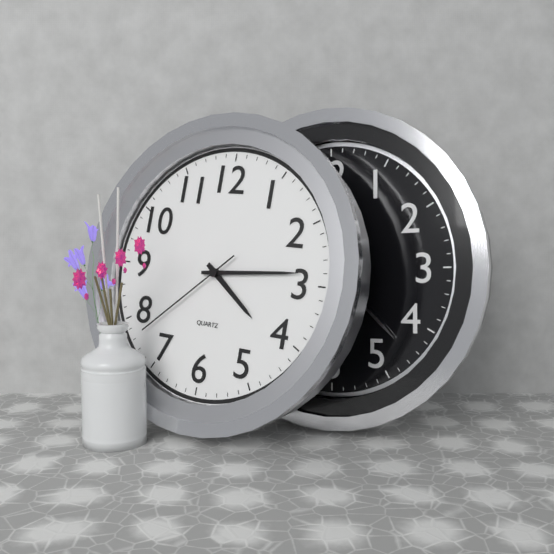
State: 4:14:38
